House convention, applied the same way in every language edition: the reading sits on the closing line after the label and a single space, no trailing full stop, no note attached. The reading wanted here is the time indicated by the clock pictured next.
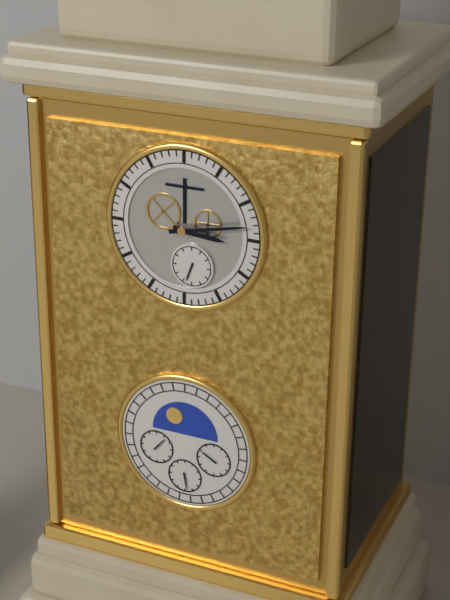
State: 3:13
